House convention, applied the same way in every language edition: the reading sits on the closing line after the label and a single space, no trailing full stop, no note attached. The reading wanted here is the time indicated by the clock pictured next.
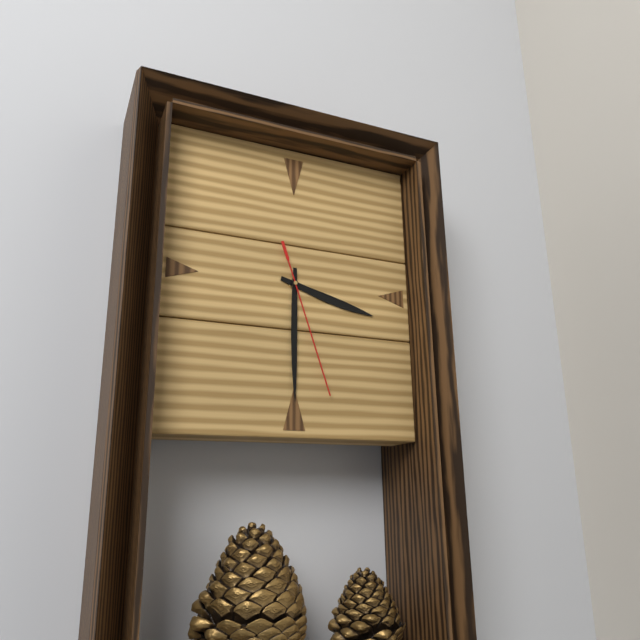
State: 3:30:27
